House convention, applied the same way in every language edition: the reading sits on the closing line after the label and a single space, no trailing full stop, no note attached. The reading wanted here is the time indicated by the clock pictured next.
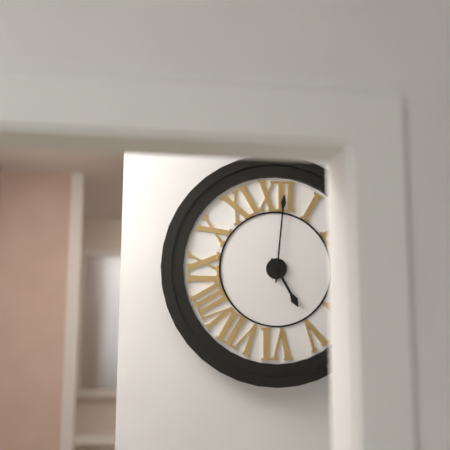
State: 5:01
